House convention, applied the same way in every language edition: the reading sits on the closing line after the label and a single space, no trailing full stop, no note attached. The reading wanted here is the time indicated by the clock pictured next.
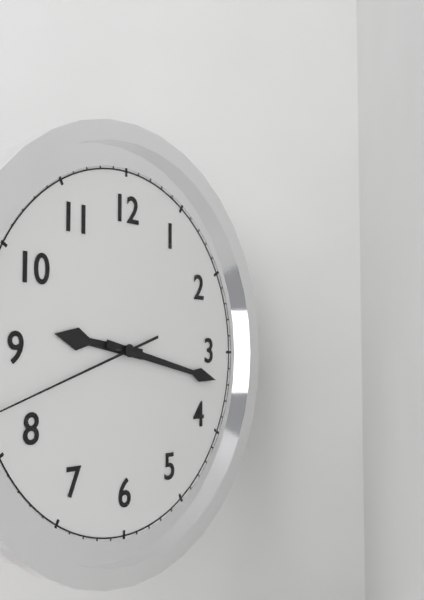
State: 9:17
